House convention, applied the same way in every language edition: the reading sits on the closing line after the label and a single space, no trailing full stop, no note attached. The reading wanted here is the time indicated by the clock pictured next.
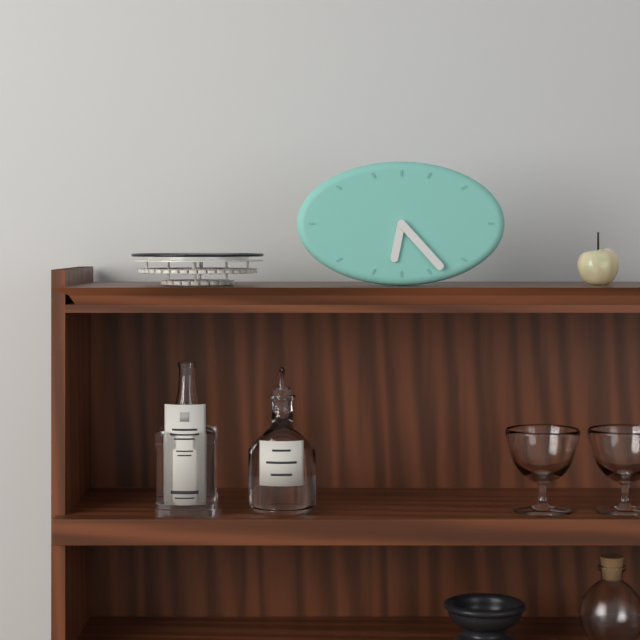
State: 6:23
